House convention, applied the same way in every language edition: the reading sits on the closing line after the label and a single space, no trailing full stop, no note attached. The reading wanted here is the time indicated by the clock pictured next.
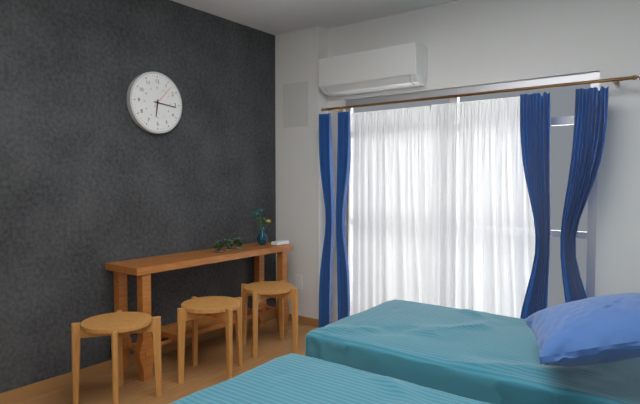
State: 6:16
